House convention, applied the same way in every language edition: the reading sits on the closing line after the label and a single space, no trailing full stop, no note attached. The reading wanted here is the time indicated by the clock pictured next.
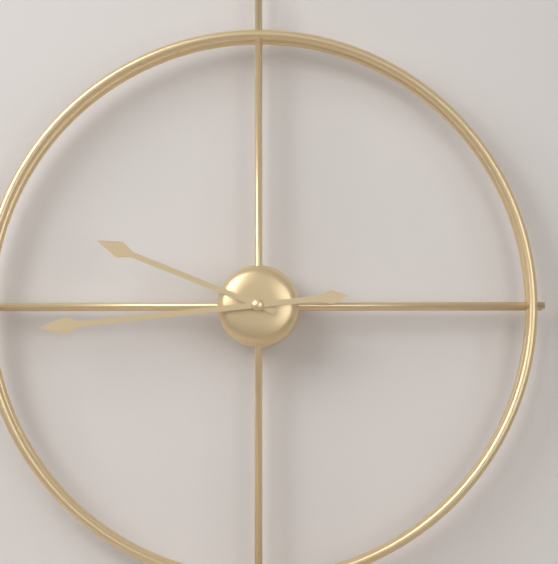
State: 9:44
